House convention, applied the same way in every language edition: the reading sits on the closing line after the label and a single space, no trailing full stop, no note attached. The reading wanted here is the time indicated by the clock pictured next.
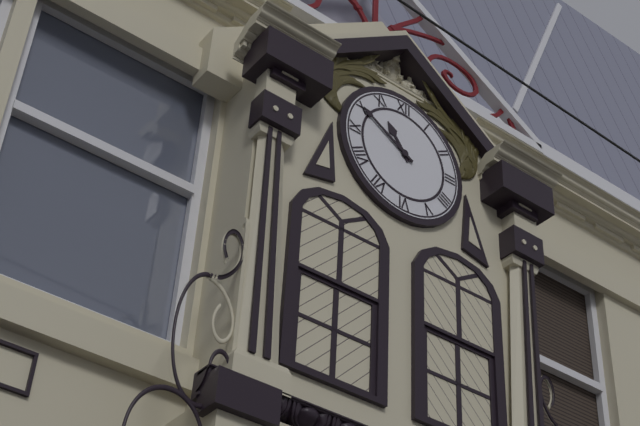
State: 10:50
